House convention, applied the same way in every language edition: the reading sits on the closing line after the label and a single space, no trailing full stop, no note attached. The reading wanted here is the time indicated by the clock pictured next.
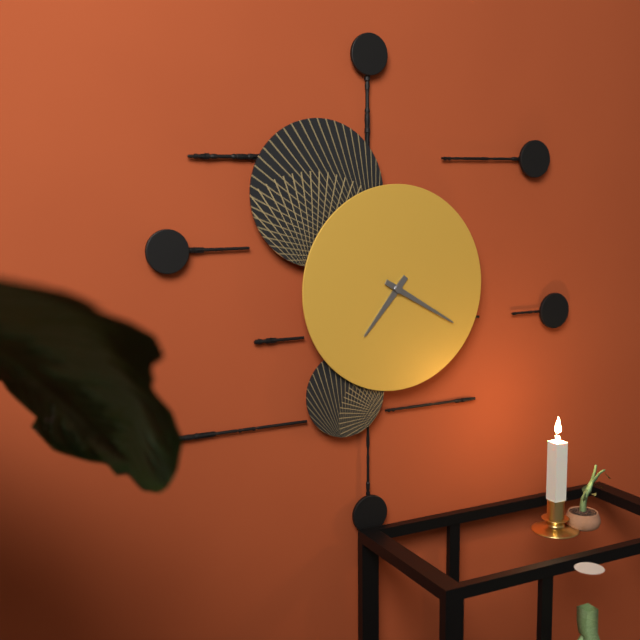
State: 7:20
